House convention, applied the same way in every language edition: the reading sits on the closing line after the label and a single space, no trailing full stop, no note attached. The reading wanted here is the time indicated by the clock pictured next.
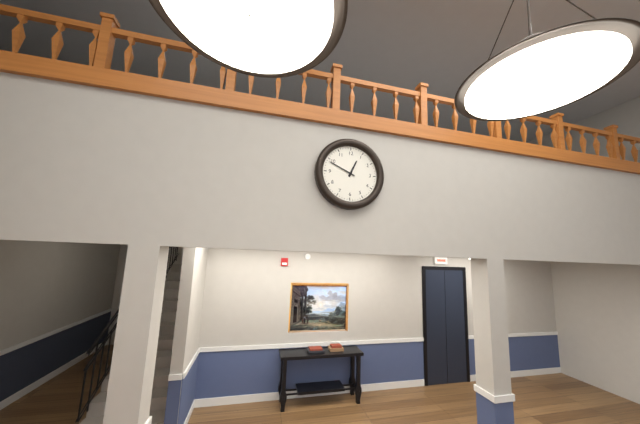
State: 12:49
